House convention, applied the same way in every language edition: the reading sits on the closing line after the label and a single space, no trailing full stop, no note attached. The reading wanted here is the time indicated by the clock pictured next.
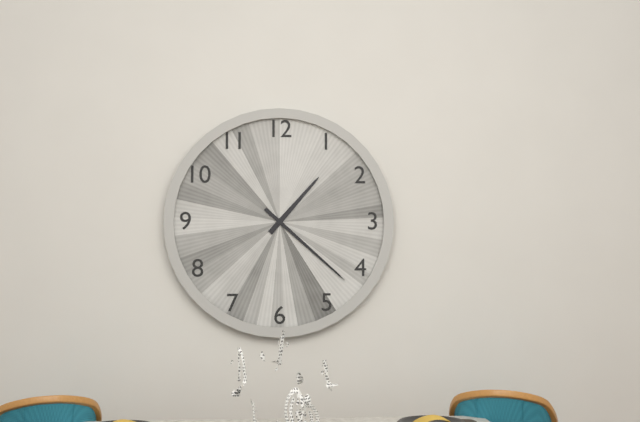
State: 1:22
